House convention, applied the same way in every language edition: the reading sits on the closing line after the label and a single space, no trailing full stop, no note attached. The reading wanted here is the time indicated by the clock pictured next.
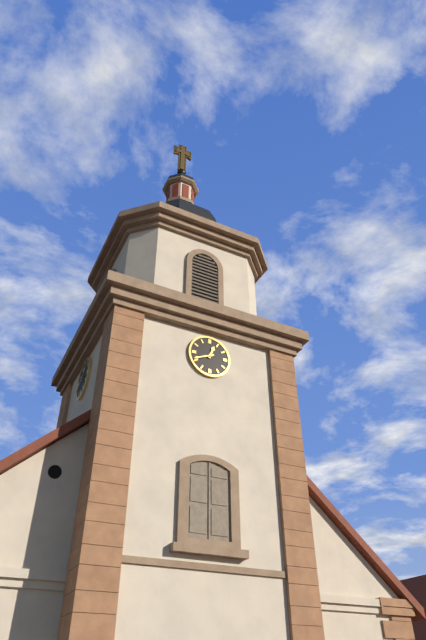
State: 12:41
